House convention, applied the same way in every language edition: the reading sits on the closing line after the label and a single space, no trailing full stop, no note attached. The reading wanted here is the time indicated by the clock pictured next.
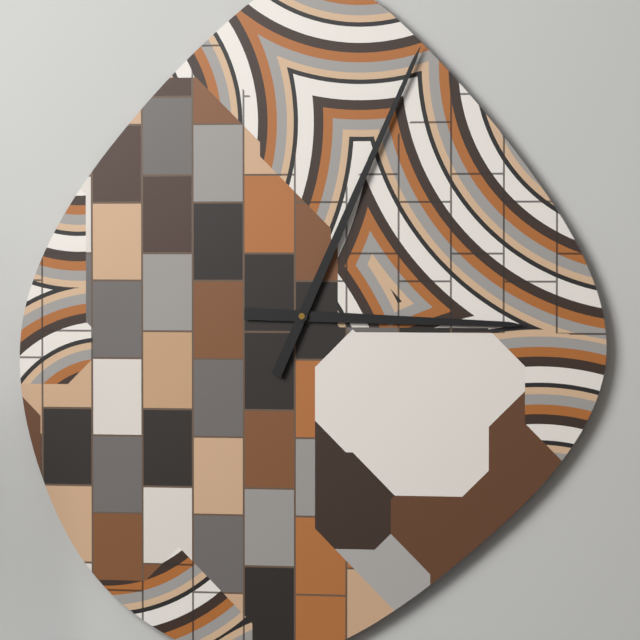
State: 3:04
